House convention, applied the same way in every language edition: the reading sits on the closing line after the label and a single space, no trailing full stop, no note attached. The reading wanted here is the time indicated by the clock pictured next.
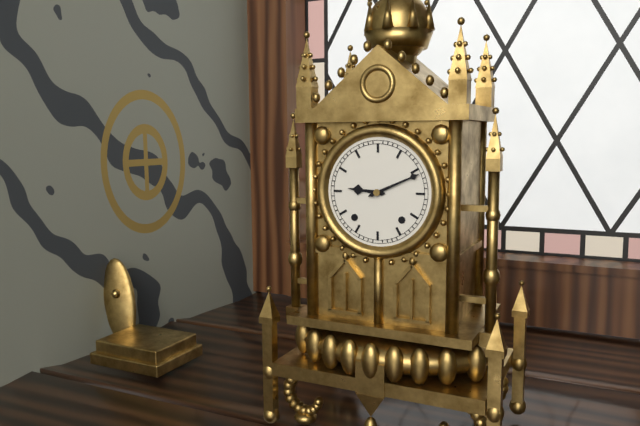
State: 9:11
